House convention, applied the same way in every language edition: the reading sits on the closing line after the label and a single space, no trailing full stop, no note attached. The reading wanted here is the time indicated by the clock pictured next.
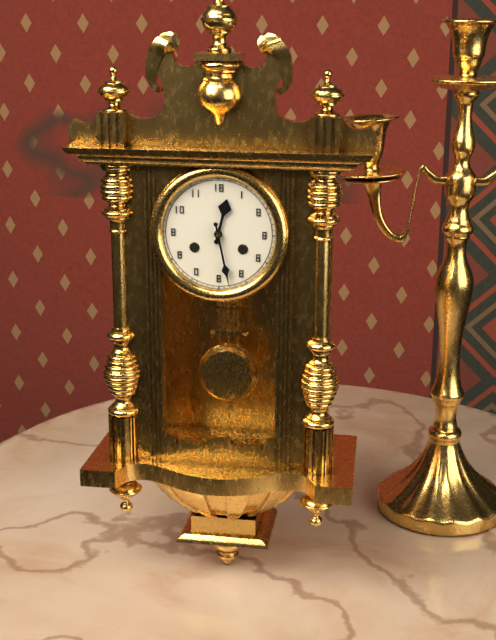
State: 12:28
